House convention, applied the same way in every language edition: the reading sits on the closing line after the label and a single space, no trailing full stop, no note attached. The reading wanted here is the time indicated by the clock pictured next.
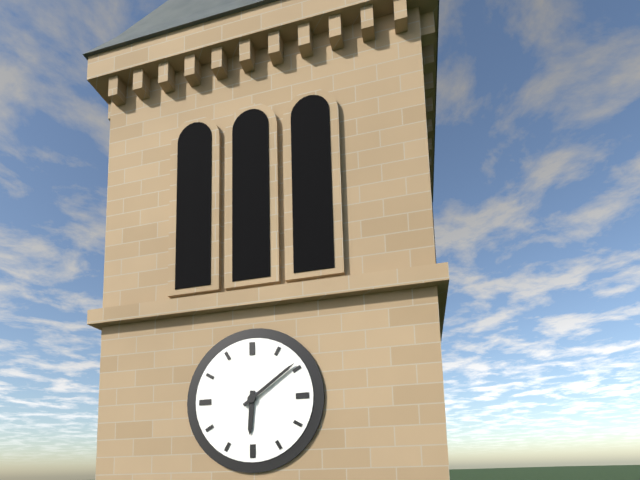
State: 6:09
